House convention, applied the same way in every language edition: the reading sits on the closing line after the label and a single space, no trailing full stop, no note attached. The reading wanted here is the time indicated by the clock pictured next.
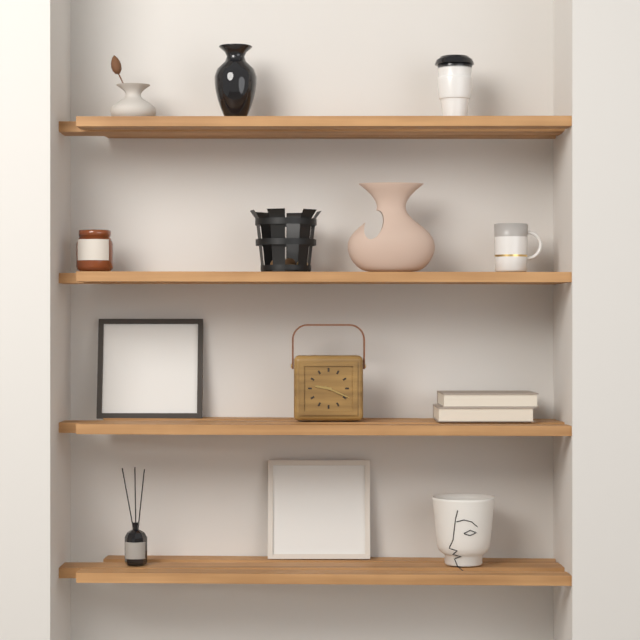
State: 9:19
